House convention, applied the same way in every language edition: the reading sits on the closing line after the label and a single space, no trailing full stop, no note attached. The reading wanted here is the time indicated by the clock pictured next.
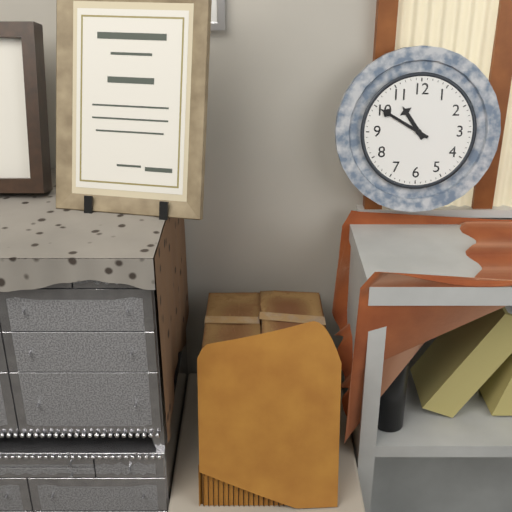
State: 10:50
